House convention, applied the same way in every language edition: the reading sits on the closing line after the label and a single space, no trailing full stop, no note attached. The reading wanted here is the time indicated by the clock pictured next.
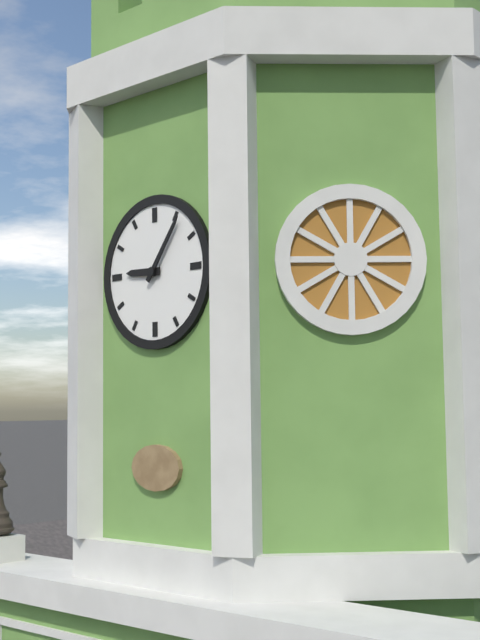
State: 9:06
